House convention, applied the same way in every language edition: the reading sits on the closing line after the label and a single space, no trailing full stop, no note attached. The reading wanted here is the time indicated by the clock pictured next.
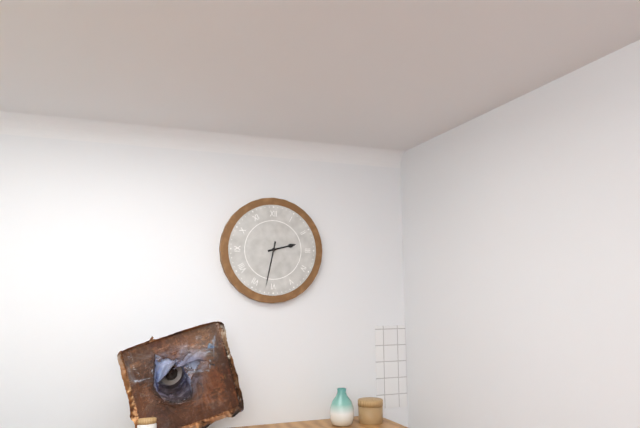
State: 2:32
